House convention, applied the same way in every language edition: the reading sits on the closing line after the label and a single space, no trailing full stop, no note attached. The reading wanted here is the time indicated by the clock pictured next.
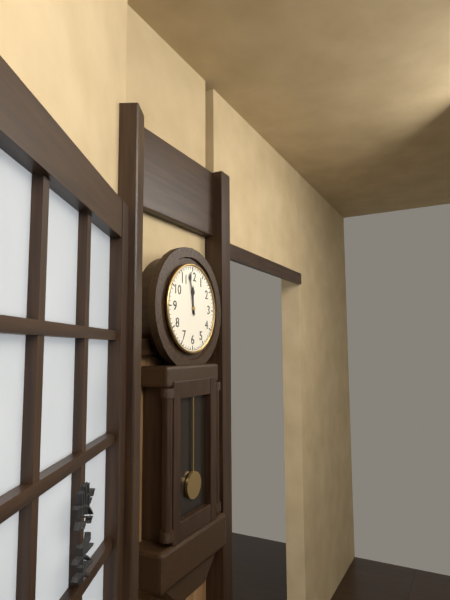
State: 11:58
